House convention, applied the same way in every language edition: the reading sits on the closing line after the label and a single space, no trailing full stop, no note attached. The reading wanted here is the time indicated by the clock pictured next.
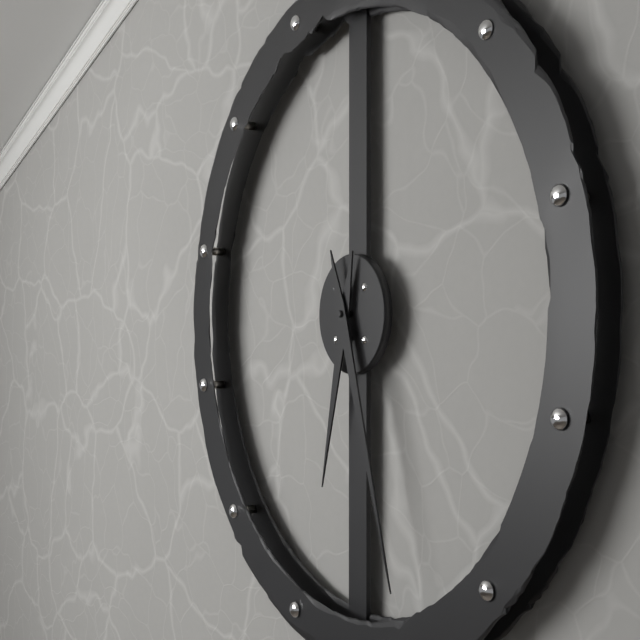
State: 6:27
